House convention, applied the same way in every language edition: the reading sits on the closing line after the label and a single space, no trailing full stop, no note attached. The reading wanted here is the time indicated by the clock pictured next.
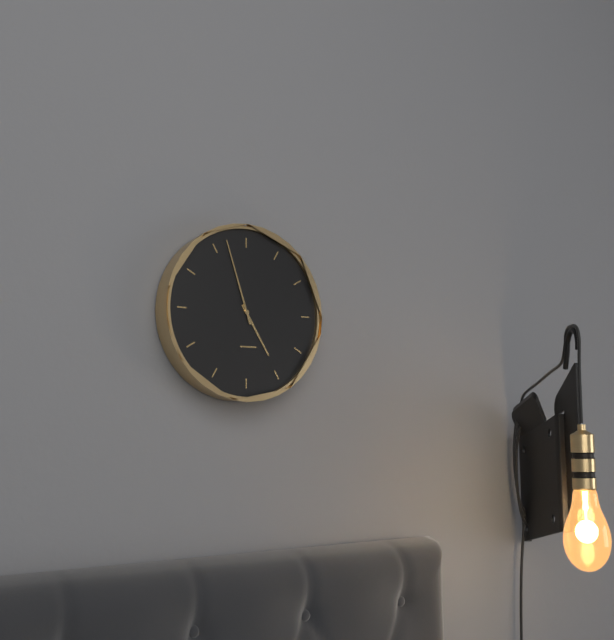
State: 4:57
